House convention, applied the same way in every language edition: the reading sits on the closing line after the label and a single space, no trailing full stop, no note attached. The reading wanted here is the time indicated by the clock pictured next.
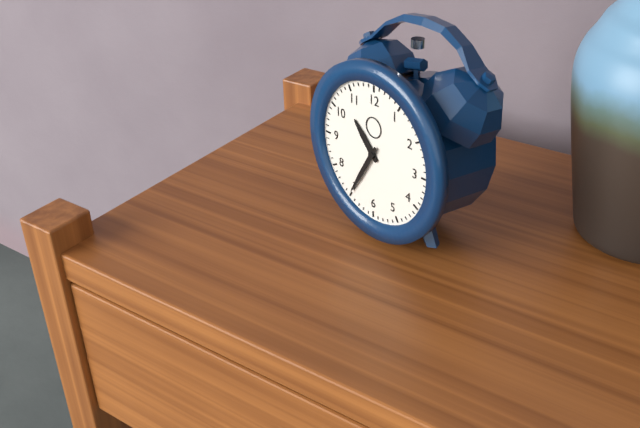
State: 10:35
